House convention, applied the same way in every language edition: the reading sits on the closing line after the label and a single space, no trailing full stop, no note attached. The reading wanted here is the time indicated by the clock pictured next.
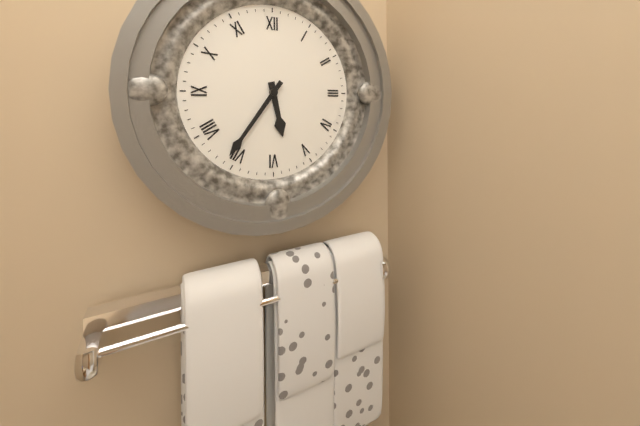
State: 5:36
